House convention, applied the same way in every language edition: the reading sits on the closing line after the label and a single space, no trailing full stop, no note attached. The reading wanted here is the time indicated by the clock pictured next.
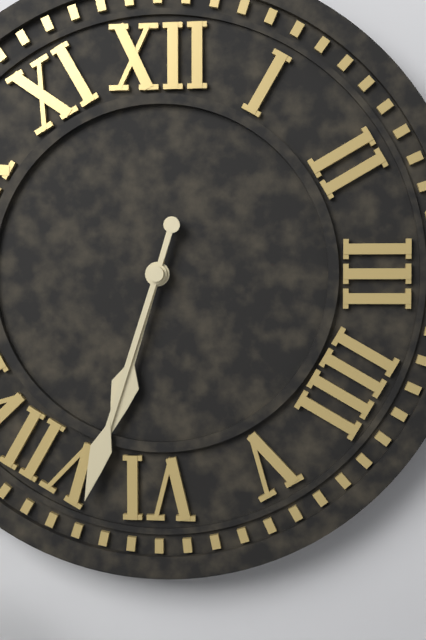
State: 6:33
